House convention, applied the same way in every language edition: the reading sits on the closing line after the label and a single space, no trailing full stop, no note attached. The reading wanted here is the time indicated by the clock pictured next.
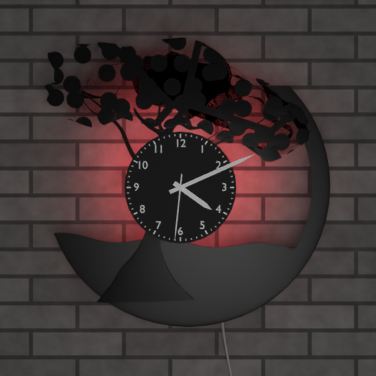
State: 4:11:31
